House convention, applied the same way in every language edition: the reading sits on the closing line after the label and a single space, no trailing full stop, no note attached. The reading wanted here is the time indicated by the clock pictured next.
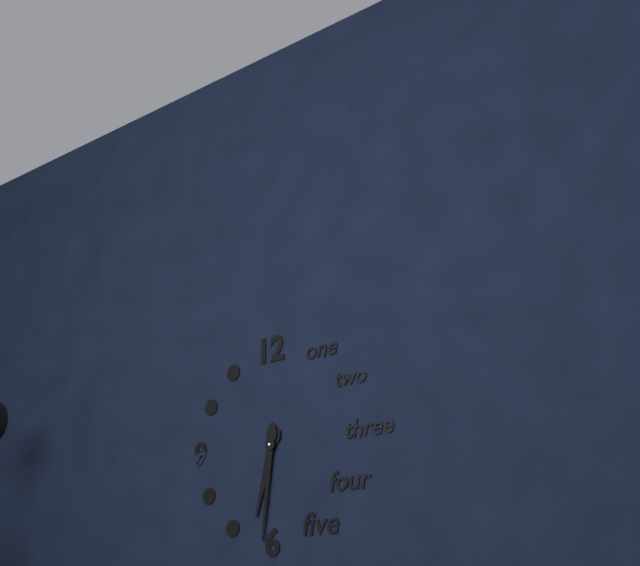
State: 6:31
